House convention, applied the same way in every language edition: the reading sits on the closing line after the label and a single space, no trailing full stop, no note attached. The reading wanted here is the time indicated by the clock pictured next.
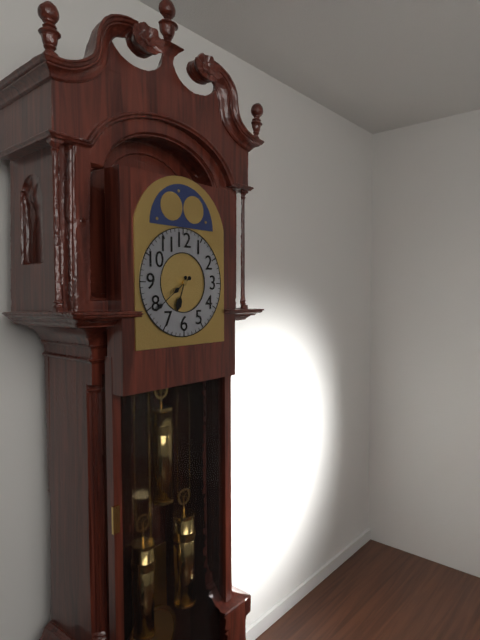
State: 6:39
